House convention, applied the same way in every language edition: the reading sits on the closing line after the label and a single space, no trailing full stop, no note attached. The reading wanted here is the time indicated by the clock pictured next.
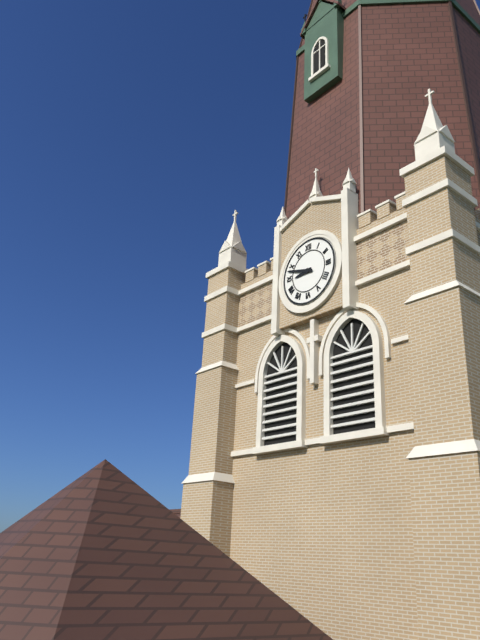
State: 8:48
